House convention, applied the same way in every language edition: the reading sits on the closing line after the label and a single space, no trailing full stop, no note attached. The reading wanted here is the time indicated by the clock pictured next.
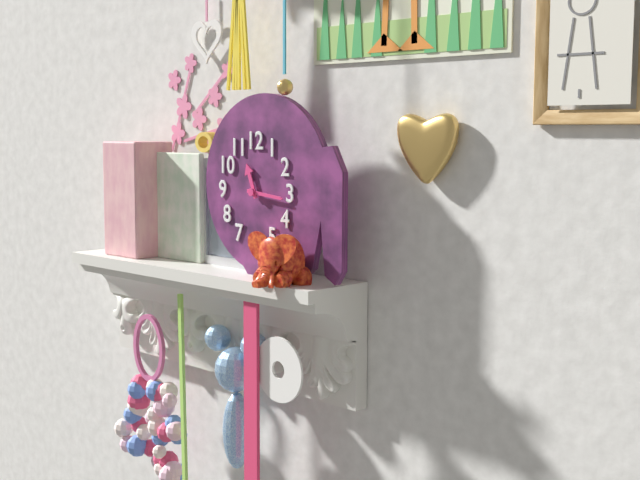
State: 11:16
